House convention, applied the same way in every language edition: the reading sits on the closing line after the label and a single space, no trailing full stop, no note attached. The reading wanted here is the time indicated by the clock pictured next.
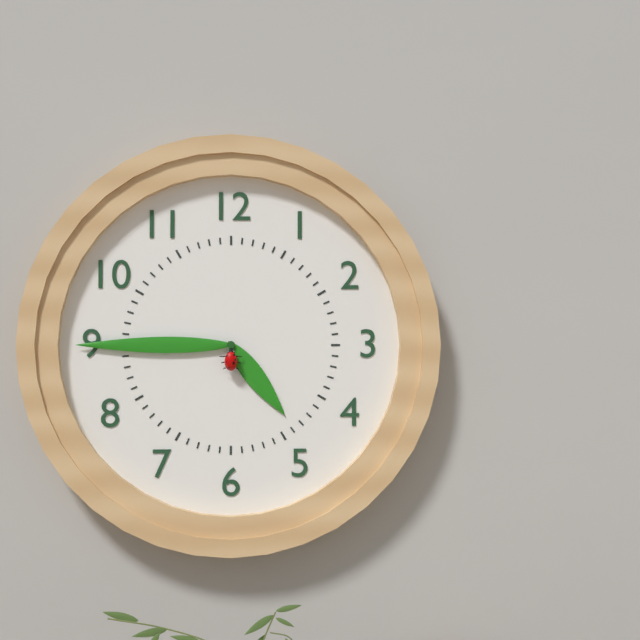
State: 4:45
